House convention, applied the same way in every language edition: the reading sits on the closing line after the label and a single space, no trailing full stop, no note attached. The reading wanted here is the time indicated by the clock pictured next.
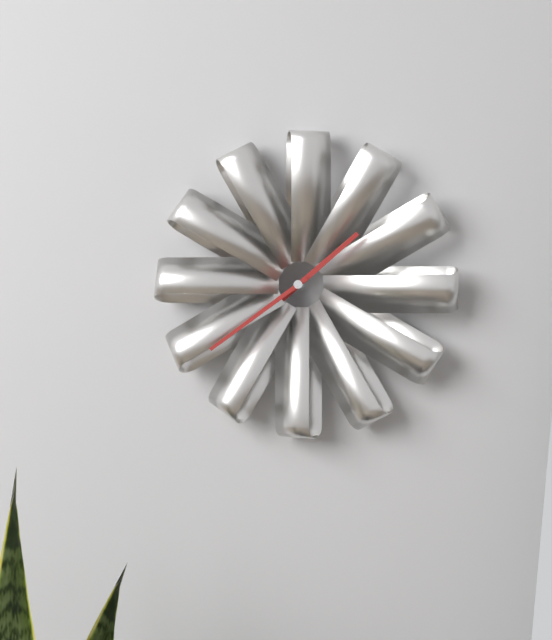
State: 1:39
